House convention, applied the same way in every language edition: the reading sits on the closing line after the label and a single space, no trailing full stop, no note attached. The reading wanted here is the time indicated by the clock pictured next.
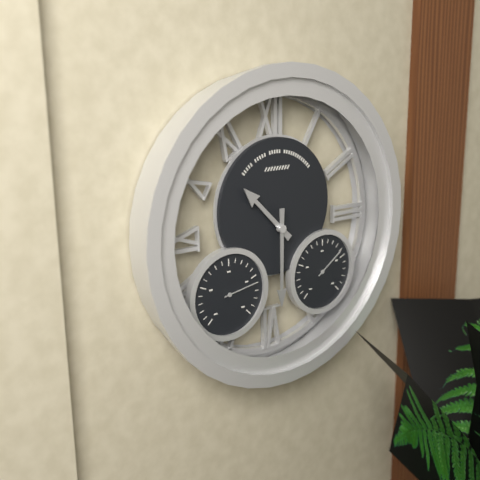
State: 10:30
